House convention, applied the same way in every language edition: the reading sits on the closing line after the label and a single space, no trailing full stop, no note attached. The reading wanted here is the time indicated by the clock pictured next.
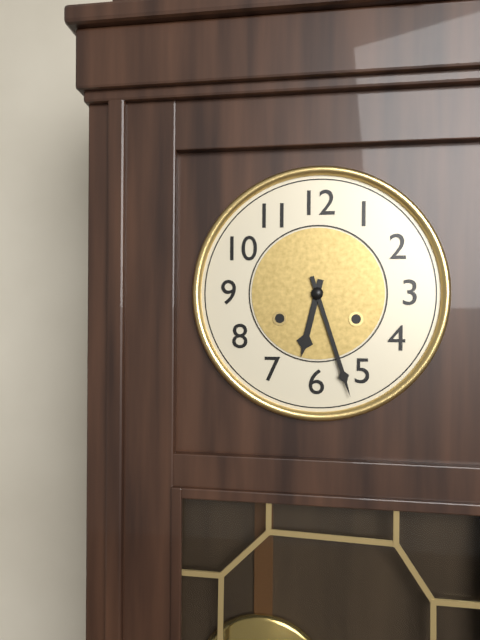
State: 6:27
